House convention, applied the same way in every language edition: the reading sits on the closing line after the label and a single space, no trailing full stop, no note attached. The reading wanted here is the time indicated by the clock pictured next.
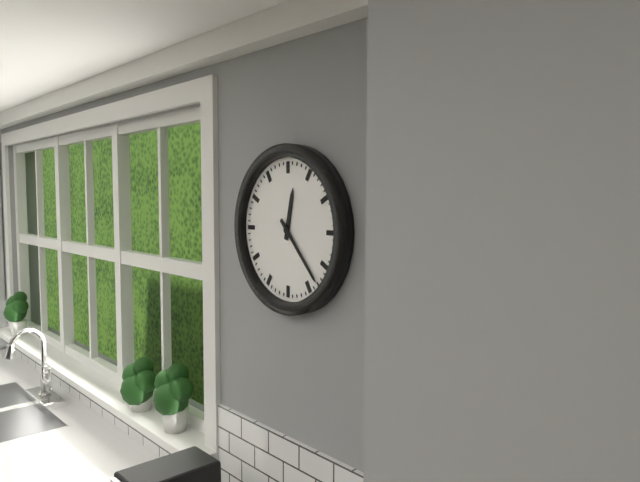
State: 12:23
